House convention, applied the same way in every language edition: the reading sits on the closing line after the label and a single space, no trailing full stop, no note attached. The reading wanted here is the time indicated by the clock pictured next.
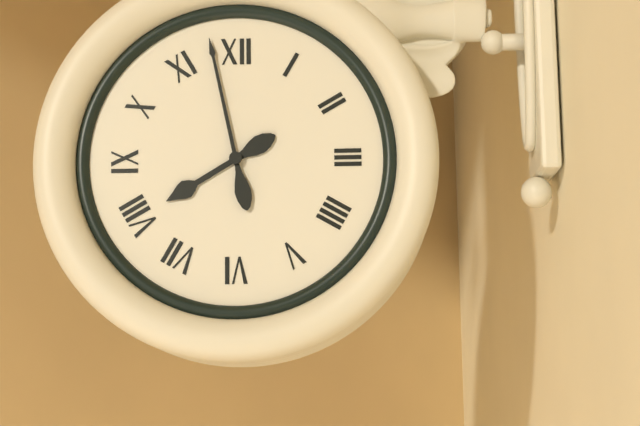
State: 7:58
